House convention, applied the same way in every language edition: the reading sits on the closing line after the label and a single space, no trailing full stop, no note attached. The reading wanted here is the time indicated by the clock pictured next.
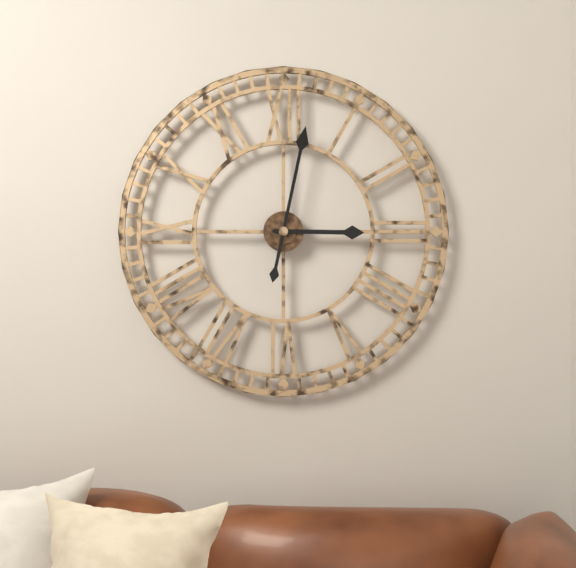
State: 3:02
